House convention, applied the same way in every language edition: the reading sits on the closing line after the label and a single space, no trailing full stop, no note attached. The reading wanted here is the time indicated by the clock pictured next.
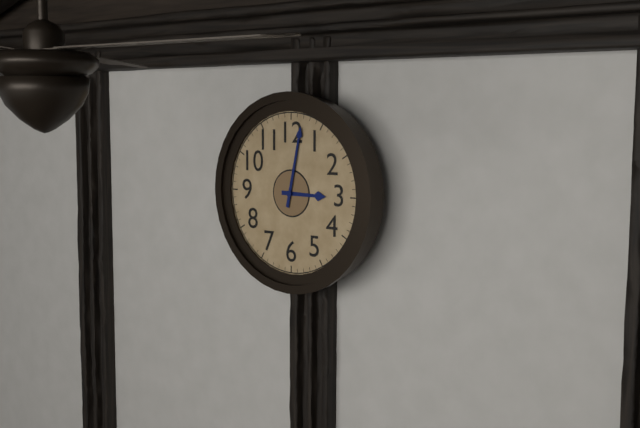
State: 3:02
